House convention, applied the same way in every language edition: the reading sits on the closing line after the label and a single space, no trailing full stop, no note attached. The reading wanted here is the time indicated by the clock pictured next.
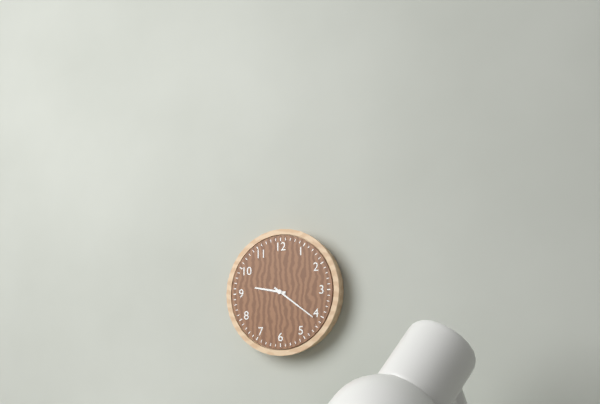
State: 9:21
